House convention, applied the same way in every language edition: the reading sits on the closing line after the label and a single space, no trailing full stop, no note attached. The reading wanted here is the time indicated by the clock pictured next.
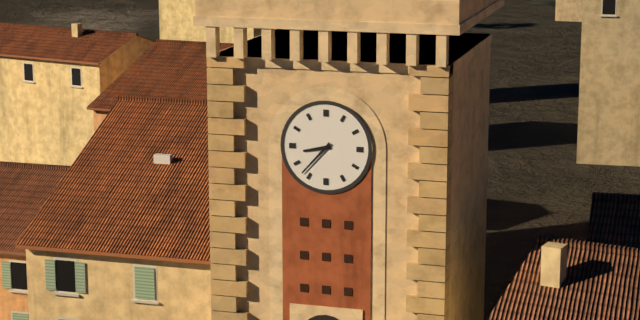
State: 8:37
